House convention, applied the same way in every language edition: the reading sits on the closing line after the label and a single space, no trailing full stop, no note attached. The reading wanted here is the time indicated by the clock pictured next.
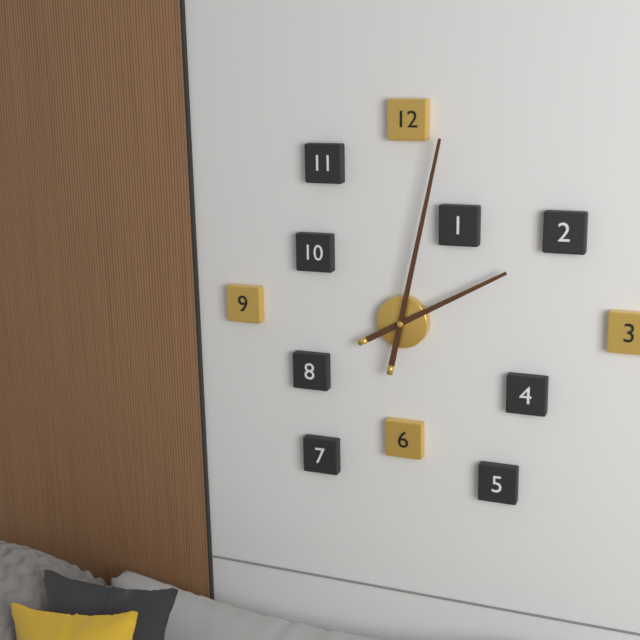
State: 2:02
